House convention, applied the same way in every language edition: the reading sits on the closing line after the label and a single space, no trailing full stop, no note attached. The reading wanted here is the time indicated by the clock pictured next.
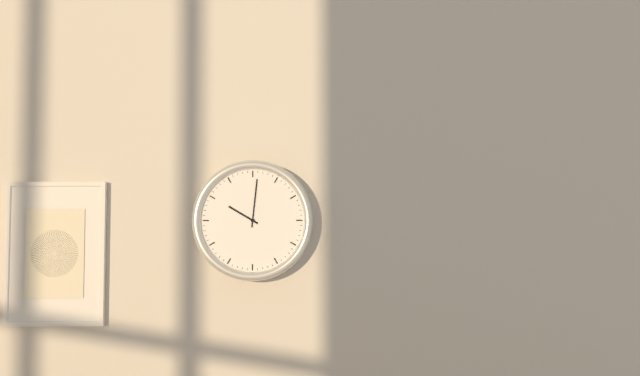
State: 10:01
